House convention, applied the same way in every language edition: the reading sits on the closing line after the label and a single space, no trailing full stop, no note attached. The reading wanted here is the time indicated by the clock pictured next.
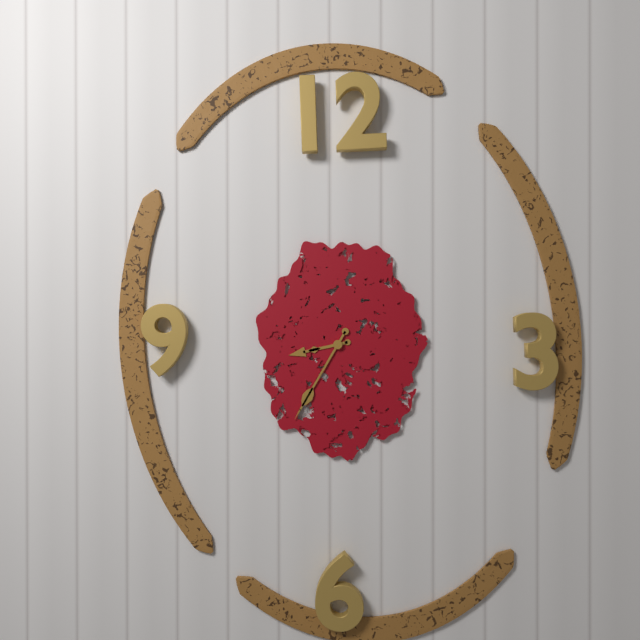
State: 8:35
